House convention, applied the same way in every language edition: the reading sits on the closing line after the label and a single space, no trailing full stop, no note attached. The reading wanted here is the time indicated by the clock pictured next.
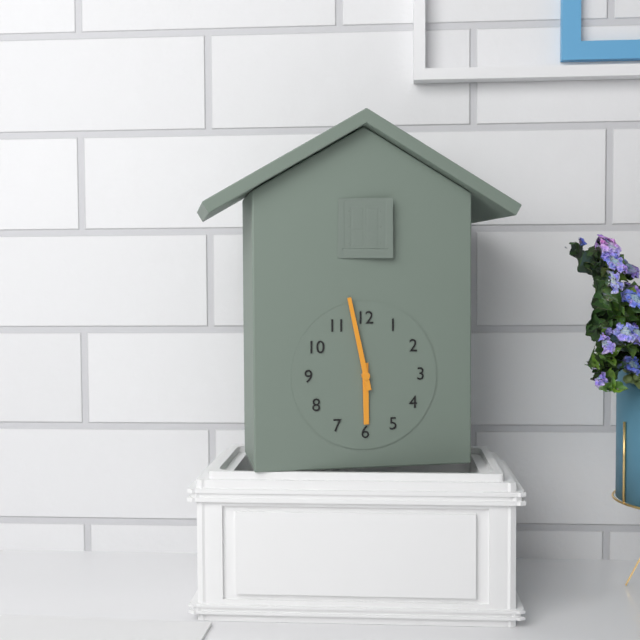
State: 5:58
